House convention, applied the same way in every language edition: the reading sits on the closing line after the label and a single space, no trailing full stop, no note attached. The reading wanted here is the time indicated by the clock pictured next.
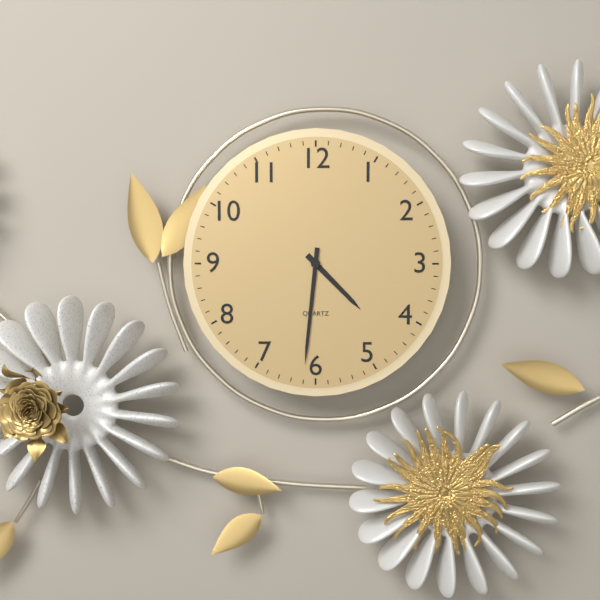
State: 4:31
